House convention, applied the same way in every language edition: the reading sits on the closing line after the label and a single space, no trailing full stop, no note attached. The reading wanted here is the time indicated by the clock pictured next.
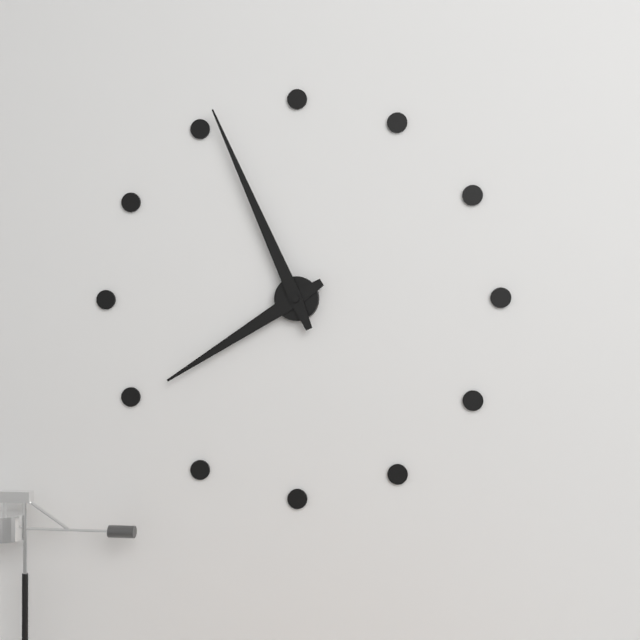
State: 7:56
